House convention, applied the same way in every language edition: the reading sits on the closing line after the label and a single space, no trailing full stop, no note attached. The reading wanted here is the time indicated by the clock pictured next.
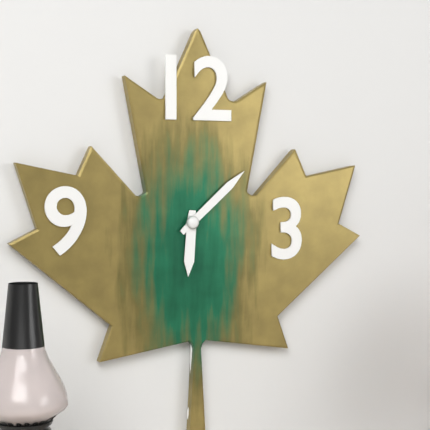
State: 6:08
